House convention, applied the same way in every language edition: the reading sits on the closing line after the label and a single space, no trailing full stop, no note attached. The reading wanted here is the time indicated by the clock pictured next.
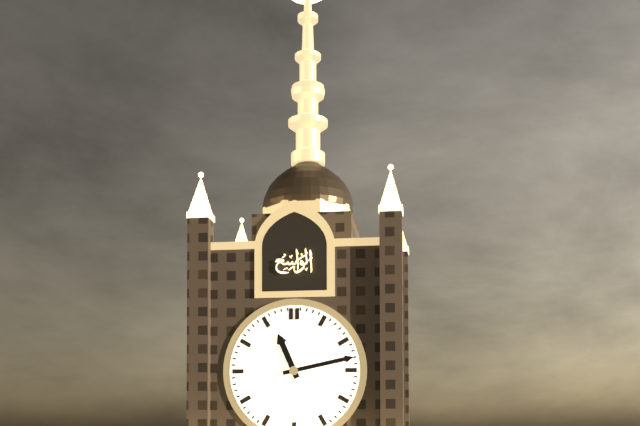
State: 11:13
